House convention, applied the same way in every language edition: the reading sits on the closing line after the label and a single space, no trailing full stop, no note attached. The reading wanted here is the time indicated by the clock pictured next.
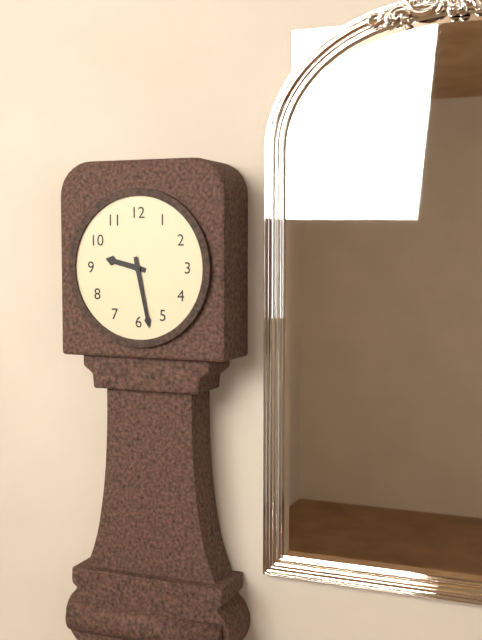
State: 9:28
